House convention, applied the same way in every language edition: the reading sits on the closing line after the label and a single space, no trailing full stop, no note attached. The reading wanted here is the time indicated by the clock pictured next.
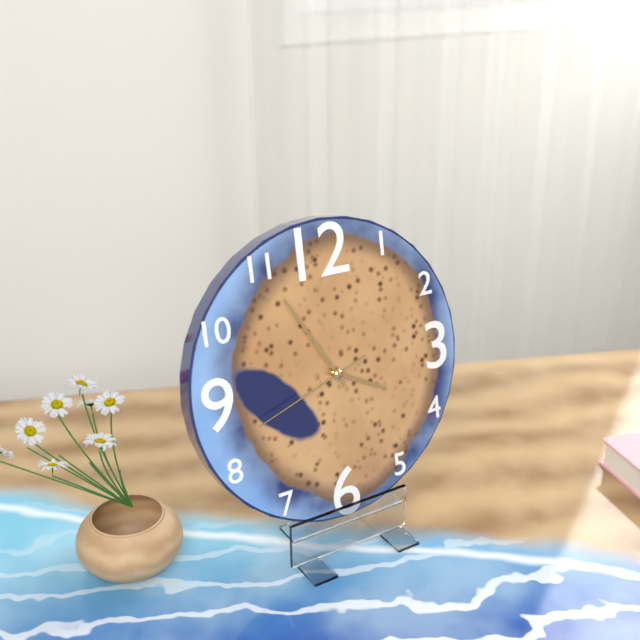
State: 3:55:42
